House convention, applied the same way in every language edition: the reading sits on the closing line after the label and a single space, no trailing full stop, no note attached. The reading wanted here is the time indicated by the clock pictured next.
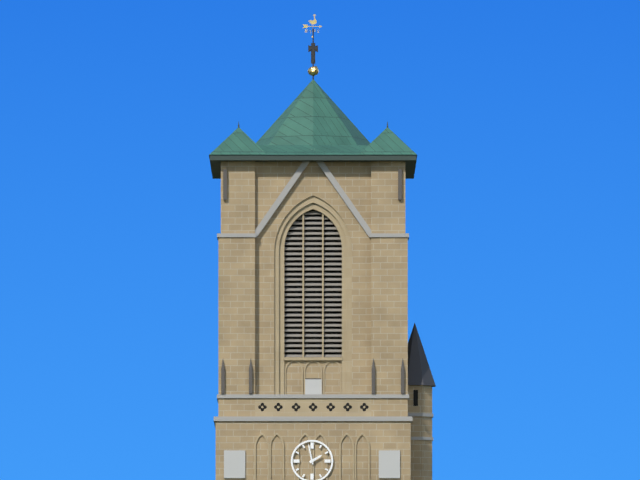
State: 1:58
